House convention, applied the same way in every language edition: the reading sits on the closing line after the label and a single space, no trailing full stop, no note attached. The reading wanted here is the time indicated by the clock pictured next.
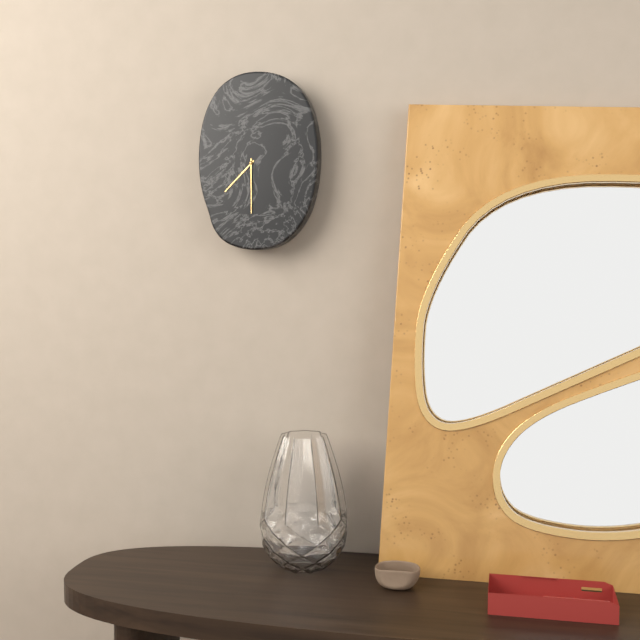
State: 7:30
